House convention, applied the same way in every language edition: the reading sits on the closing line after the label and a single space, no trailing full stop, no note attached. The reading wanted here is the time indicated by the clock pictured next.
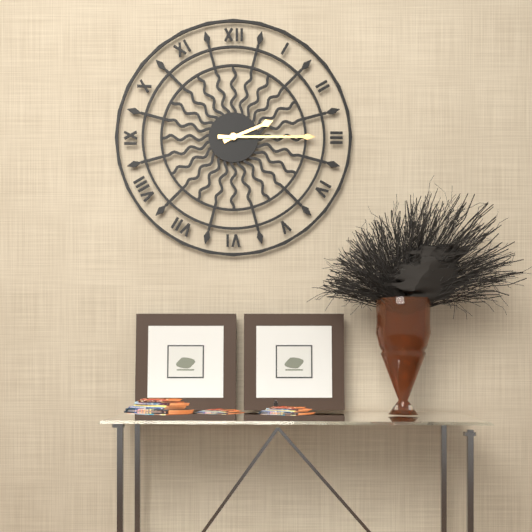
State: 2:15
